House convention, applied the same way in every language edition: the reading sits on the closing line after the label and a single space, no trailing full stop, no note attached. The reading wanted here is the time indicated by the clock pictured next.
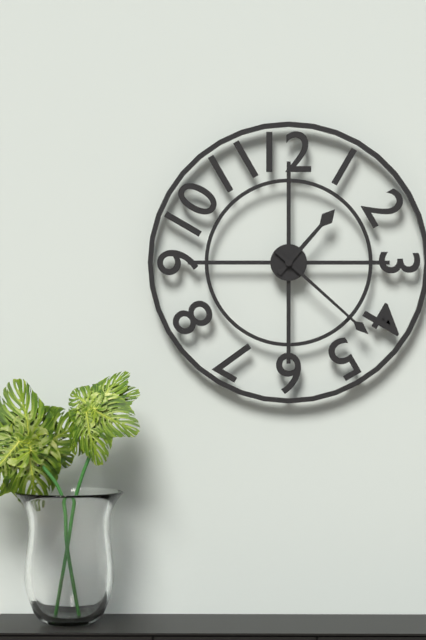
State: 1:22
